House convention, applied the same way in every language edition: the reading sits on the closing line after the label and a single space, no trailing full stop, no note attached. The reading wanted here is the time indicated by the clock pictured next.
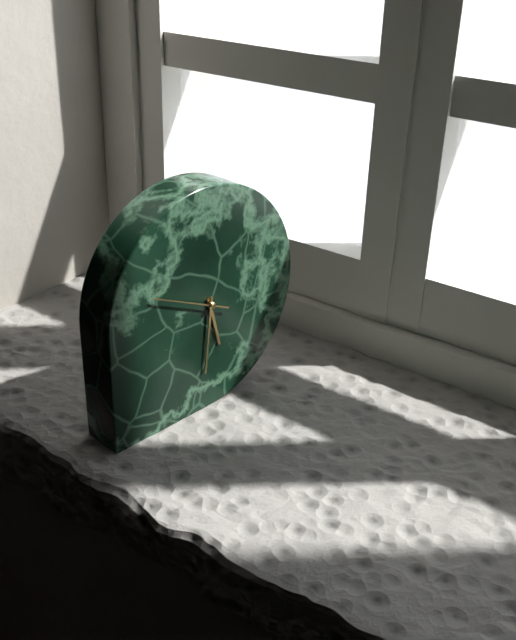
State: 5:31:49
